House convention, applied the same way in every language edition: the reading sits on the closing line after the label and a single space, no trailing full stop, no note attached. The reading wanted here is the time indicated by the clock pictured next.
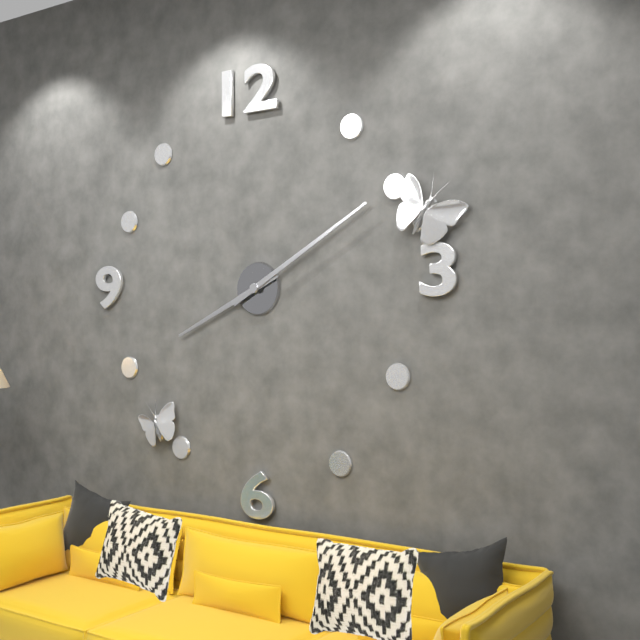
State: 8:10
